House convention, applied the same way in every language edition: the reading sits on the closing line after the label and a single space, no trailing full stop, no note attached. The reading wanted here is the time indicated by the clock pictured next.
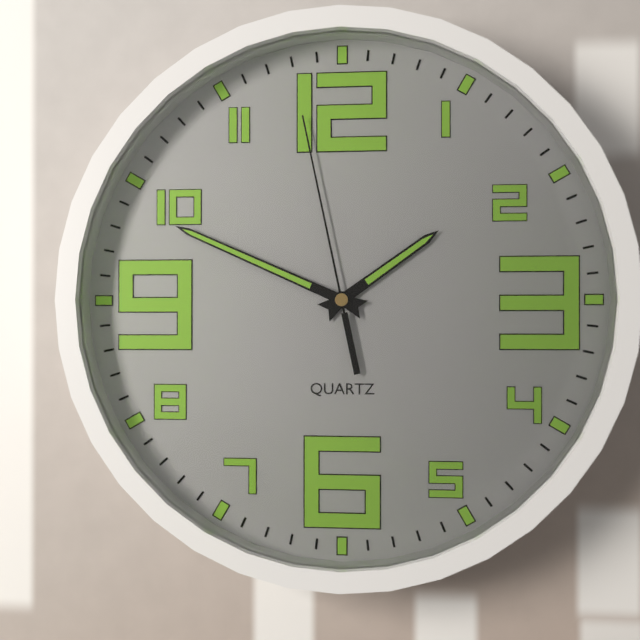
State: 1:49:58
